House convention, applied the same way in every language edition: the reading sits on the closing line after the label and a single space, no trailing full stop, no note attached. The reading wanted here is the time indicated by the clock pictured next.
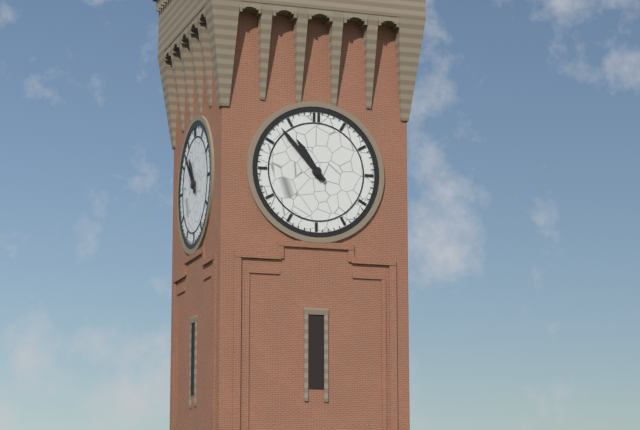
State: 10:53
